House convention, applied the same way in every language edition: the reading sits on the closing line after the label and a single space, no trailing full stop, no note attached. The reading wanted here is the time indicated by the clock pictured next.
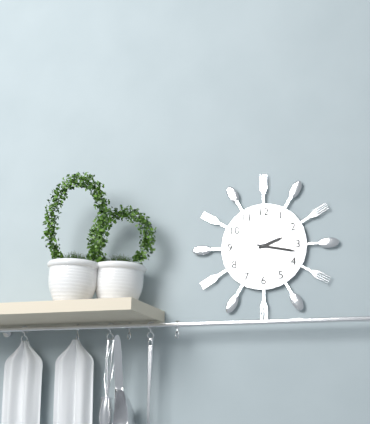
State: 2:17
